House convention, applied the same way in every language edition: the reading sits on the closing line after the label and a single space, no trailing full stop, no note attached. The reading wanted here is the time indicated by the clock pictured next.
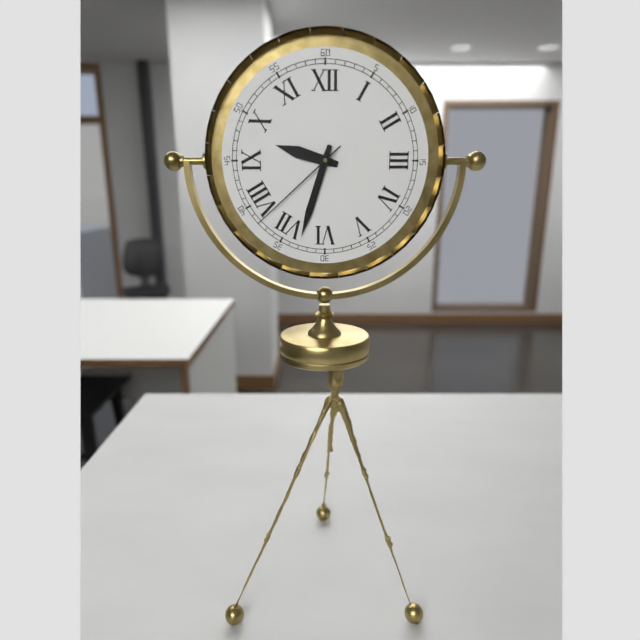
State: 9:33:38
